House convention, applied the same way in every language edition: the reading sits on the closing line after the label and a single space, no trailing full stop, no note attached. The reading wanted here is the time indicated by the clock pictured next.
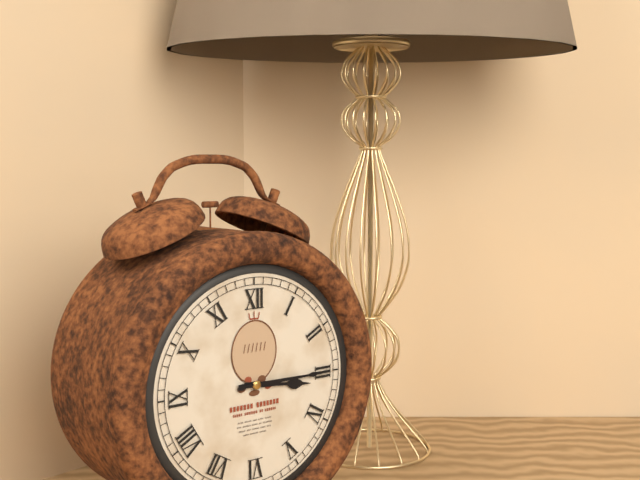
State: 3:15
